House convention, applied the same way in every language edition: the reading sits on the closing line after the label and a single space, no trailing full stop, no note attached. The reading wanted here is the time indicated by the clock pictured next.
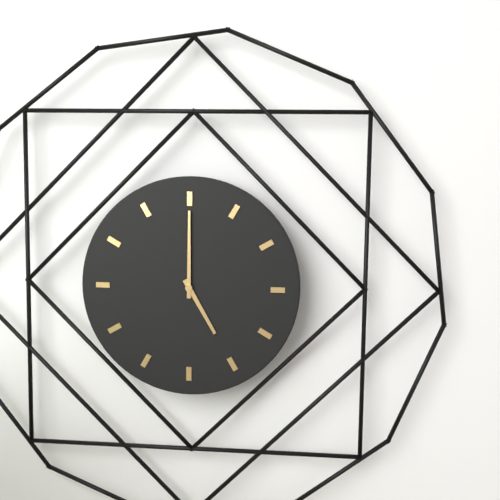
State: 5:00
